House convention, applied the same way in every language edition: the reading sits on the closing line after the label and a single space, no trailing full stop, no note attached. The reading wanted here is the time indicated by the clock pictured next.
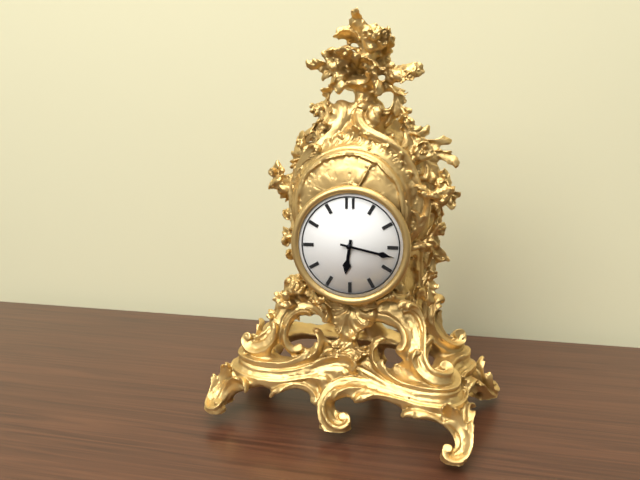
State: 6:17
